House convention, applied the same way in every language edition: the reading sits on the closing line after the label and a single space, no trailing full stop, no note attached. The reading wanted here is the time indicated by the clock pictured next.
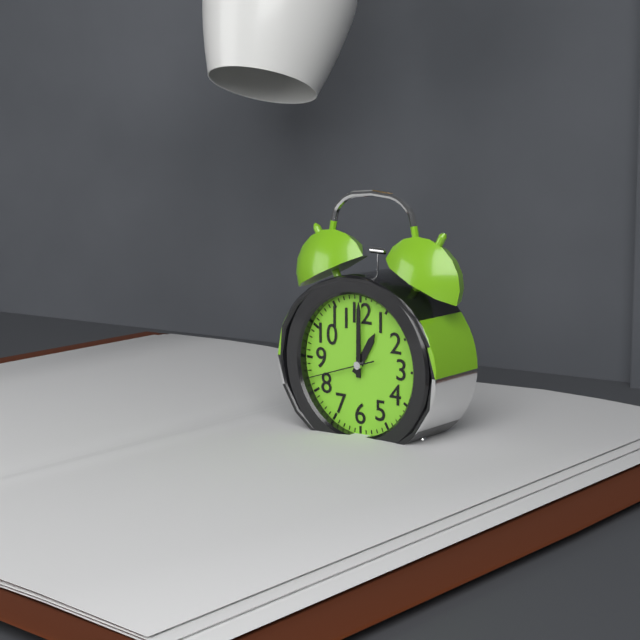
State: 1:00:42
